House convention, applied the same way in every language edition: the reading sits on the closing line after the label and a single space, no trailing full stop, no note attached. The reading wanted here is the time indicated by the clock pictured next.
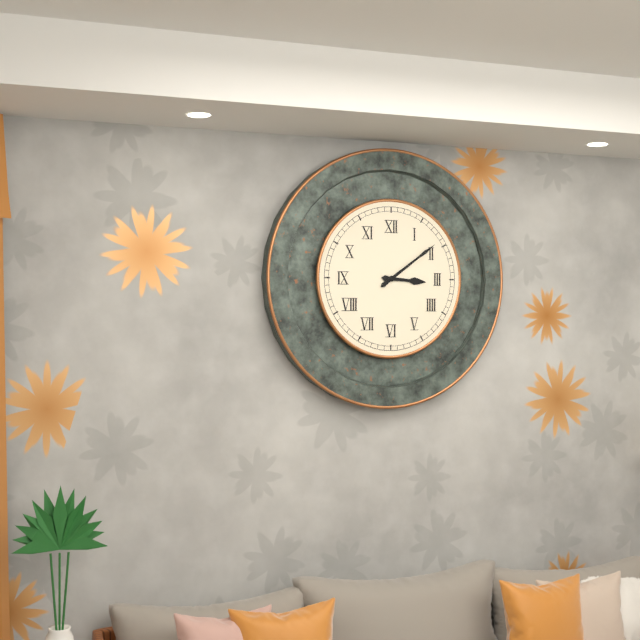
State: 3:09
